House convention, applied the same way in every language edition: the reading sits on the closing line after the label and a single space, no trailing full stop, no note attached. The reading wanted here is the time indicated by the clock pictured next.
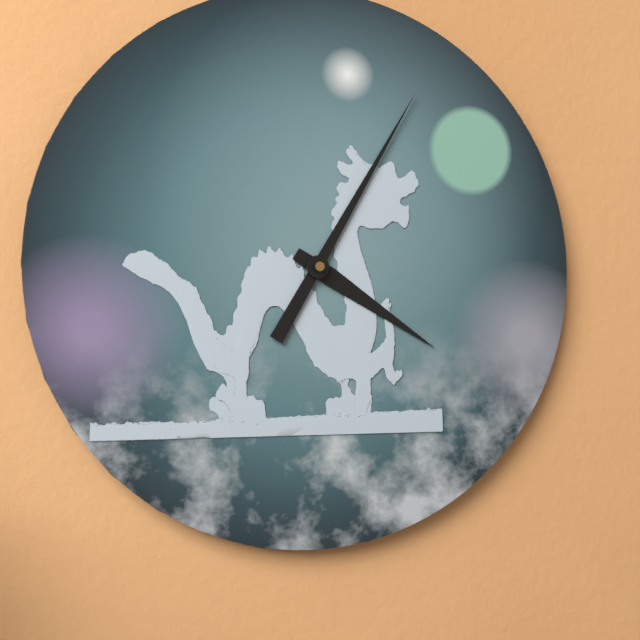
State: 4:05
